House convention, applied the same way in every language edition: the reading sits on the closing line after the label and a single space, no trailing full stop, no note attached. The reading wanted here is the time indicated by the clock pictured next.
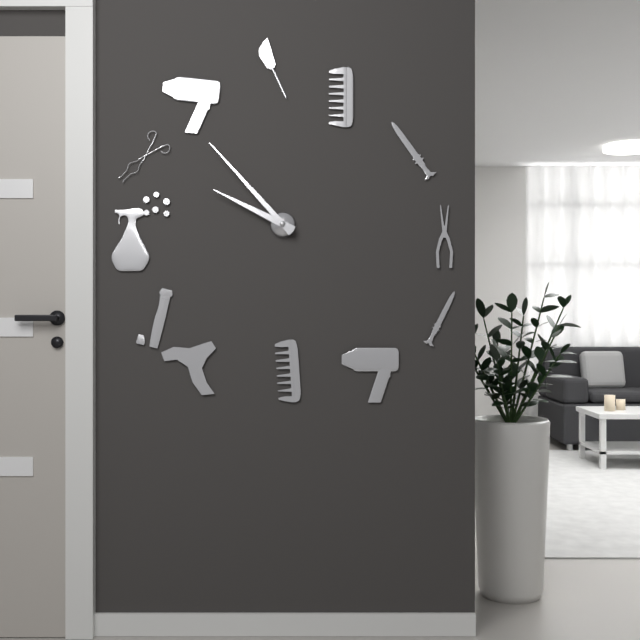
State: 9:53
